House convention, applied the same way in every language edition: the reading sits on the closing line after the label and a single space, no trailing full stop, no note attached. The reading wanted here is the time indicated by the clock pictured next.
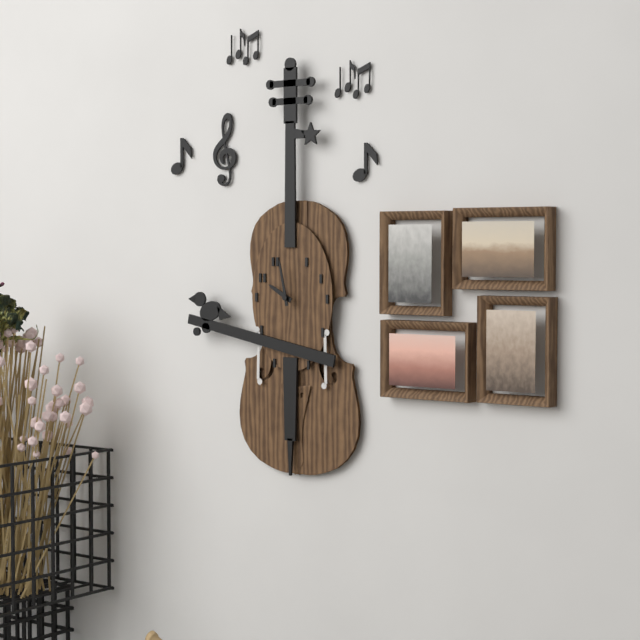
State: 9:58
